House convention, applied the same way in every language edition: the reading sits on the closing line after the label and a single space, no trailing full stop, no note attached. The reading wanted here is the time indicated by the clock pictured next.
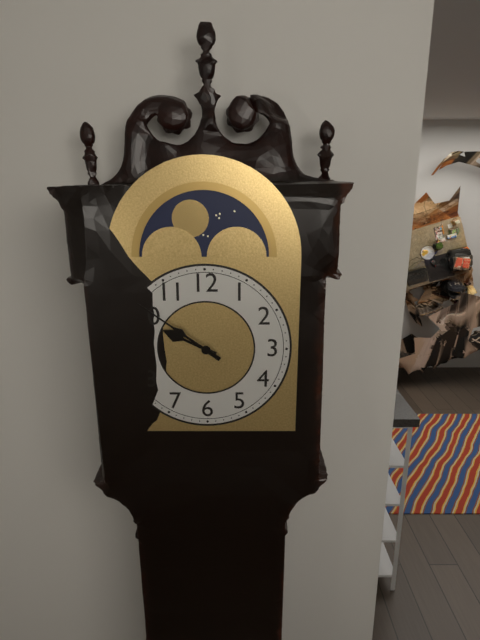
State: 9:51
